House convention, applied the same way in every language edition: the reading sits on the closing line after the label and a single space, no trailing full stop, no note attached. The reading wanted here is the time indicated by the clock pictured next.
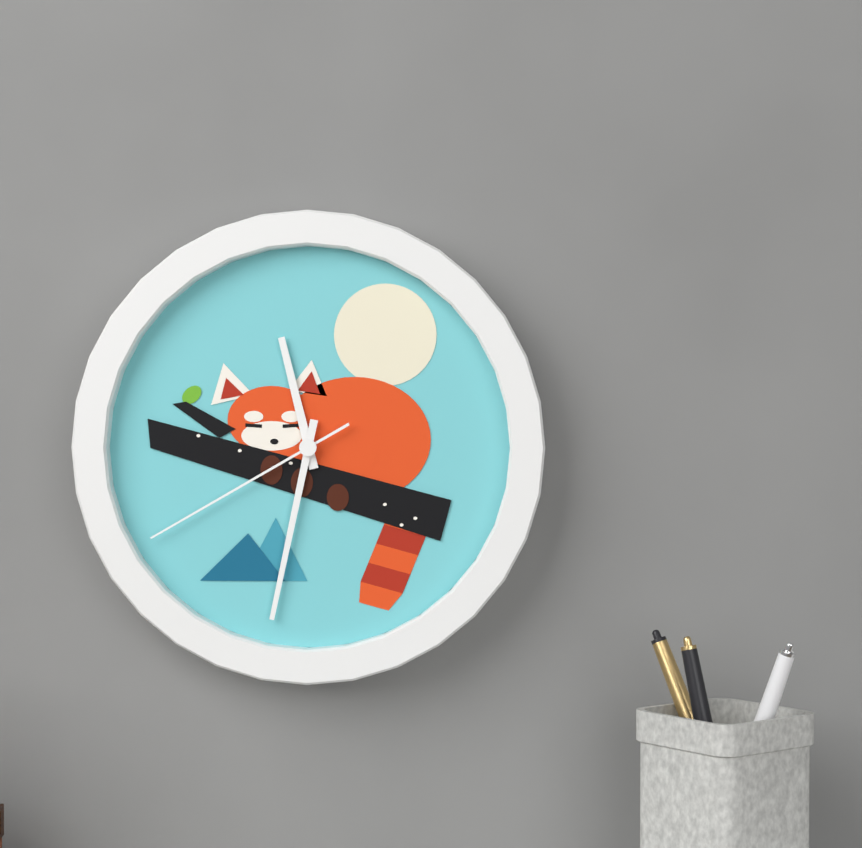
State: 11:32:40
